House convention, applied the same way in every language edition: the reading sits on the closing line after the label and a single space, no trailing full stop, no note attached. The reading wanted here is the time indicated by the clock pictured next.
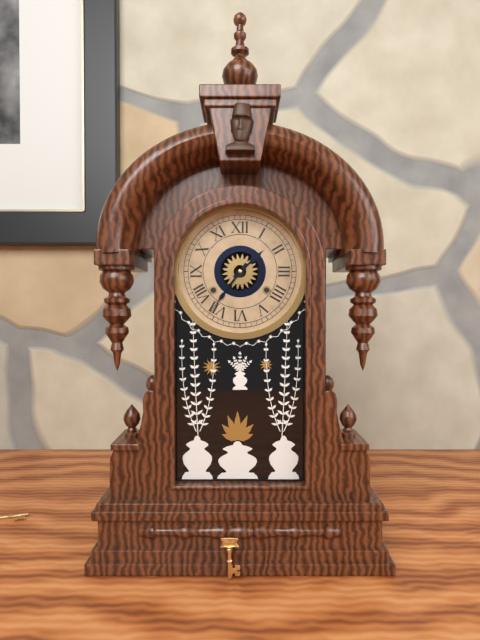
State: 1:36
